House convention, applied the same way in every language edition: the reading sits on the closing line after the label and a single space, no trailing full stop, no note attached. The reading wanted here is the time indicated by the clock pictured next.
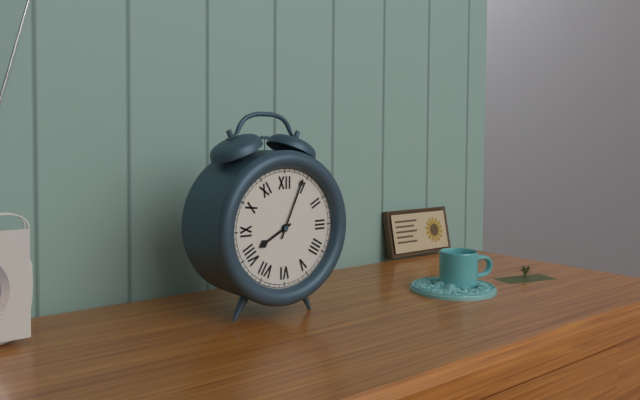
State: 8:04
